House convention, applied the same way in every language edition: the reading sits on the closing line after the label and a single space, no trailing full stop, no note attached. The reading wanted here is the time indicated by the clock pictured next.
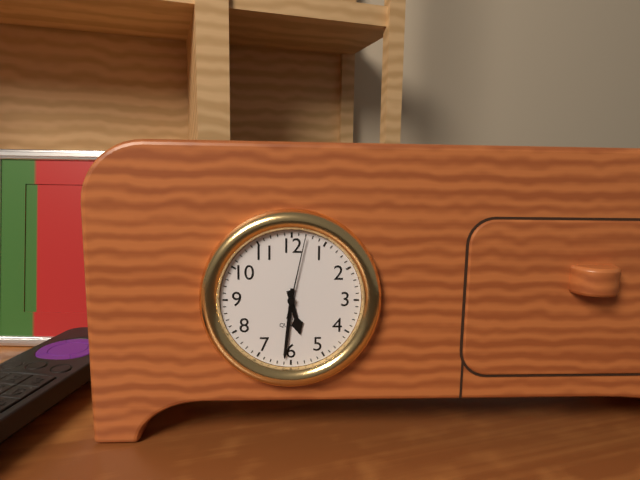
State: 5:31:02
